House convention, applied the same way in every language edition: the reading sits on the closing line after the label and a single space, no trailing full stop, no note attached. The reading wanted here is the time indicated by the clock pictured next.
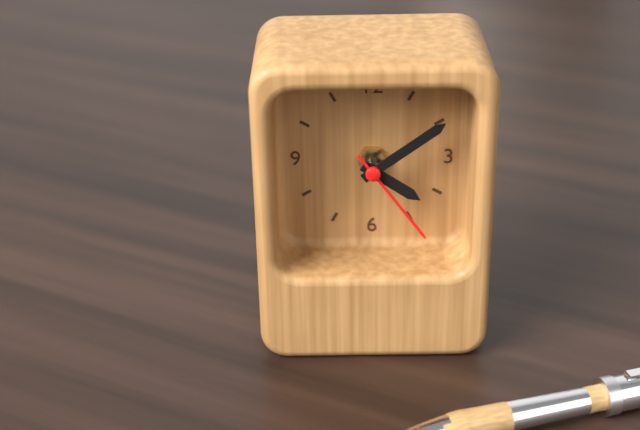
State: 4:09:24
